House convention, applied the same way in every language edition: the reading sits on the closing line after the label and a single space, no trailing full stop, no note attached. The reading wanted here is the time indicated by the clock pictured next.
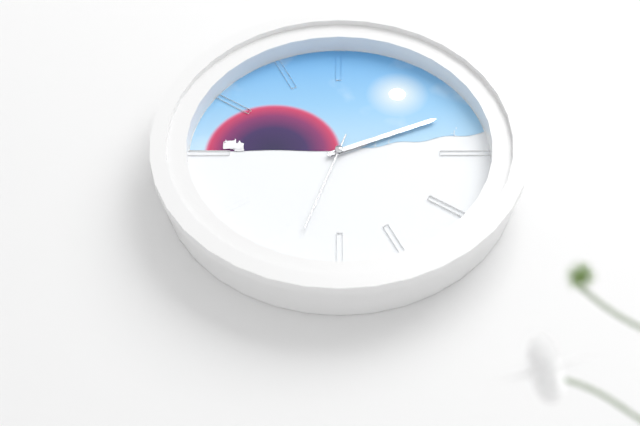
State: 2:11:33
